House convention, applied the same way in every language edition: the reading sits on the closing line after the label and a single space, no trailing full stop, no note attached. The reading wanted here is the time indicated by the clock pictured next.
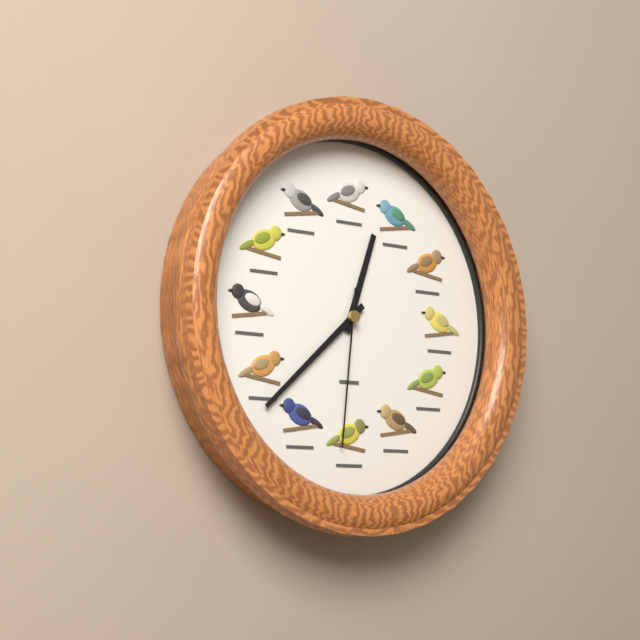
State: 12:38:31
